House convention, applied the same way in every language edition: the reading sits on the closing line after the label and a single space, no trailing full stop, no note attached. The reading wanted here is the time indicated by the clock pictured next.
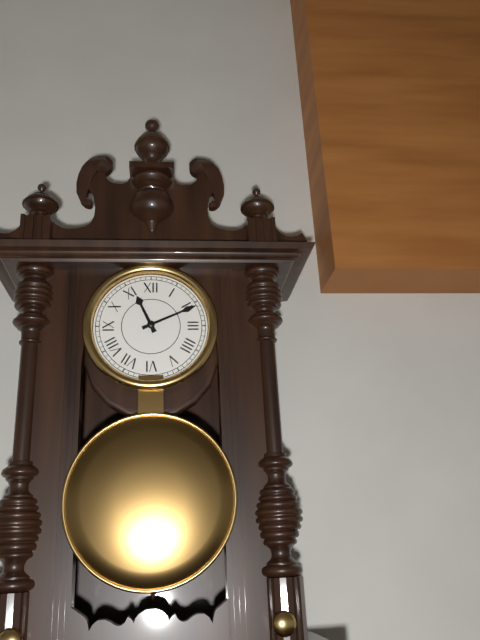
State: 11:11
